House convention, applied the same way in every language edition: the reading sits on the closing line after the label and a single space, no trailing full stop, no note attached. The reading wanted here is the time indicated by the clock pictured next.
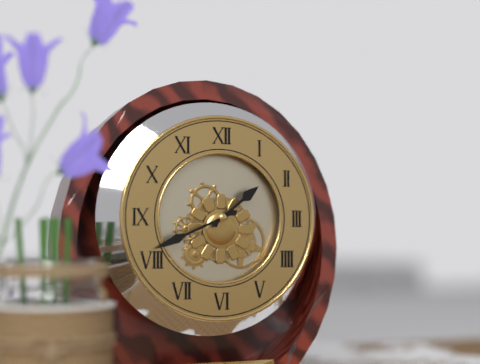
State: 1:41
